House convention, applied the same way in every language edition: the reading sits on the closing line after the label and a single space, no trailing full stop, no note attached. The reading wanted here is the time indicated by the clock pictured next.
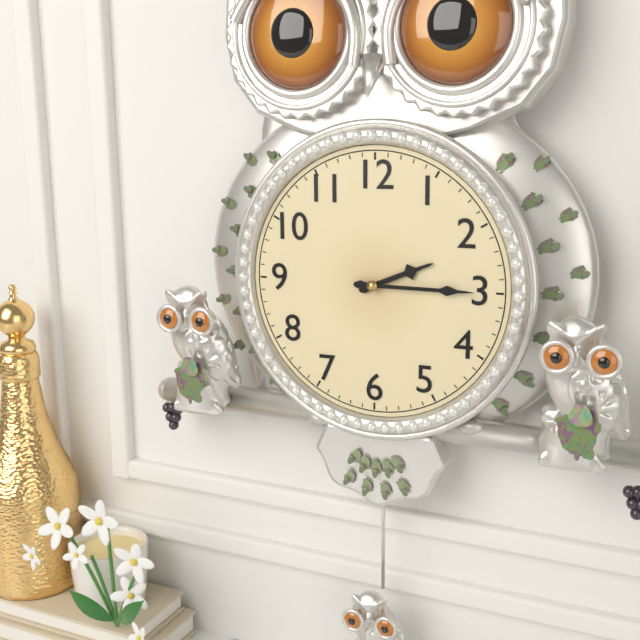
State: 2:15
